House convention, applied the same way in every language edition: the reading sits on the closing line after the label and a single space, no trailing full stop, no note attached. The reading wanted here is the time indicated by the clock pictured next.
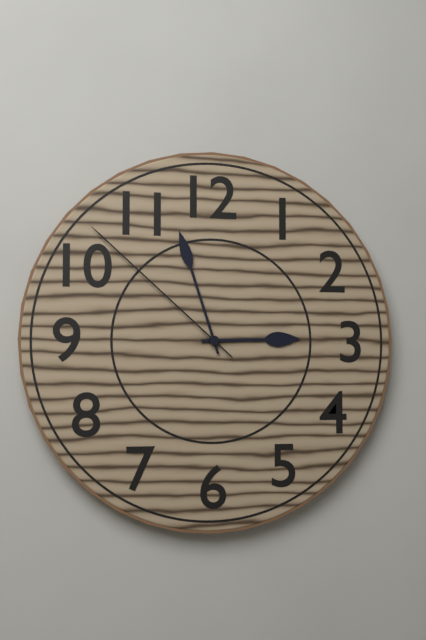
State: 2:57:52
